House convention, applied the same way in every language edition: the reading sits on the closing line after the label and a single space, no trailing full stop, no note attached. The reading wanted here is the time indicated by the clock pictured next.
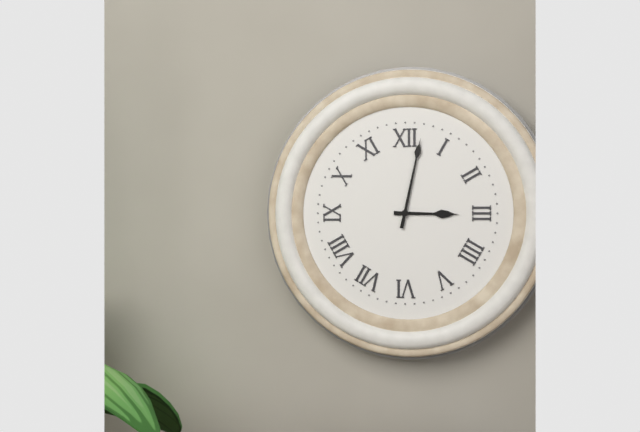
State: 3:02
